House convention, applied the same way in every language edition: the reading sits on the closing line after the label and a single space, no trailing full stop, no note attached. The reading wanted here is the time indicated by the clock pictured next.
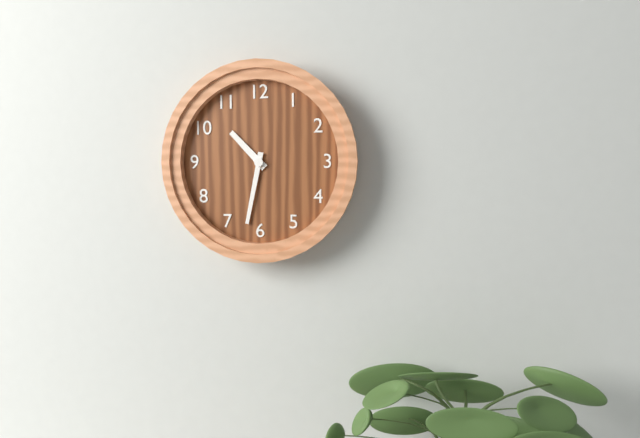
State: 10:32
